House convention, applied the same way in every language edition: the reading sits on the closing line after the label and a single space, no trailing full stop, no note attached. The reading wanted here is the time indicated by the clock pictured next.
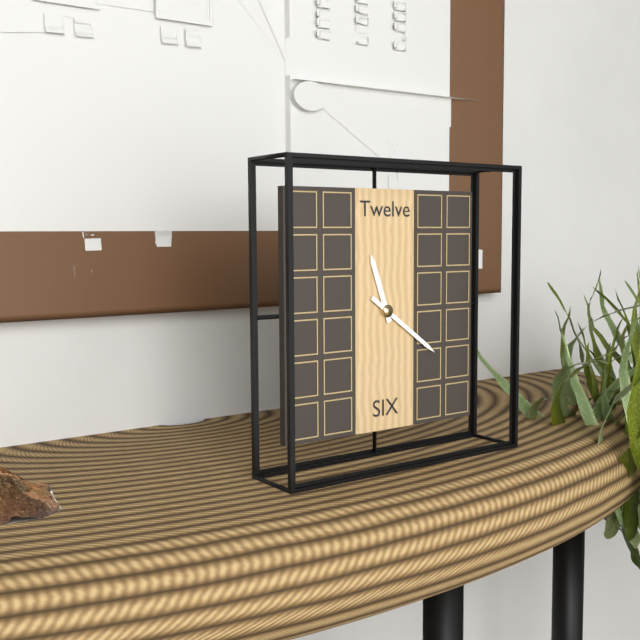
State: 11:21
